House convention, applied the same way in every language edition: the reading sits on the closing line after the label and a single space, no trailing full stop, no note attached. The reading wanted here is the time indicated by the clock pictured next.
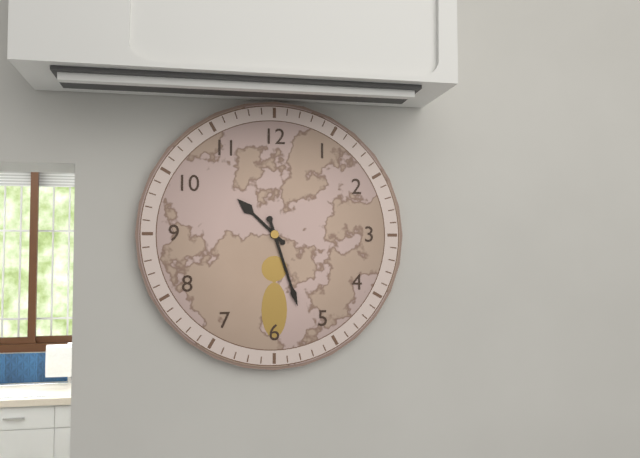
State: 10:27
